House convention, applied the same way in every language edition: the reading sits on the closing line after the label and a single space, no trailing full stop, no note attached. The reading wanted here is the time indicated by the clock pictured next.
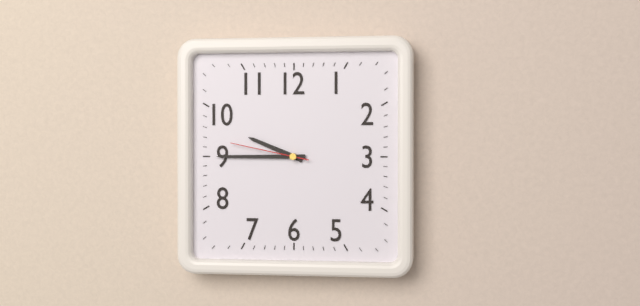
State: 9:45:47
